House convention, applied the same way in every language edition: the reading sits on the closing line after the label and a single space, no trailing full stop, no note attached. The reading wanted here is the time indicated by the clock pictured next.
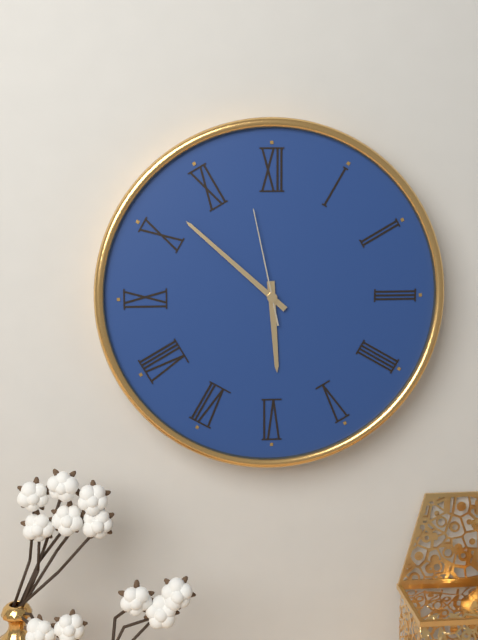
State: 5:52:58
